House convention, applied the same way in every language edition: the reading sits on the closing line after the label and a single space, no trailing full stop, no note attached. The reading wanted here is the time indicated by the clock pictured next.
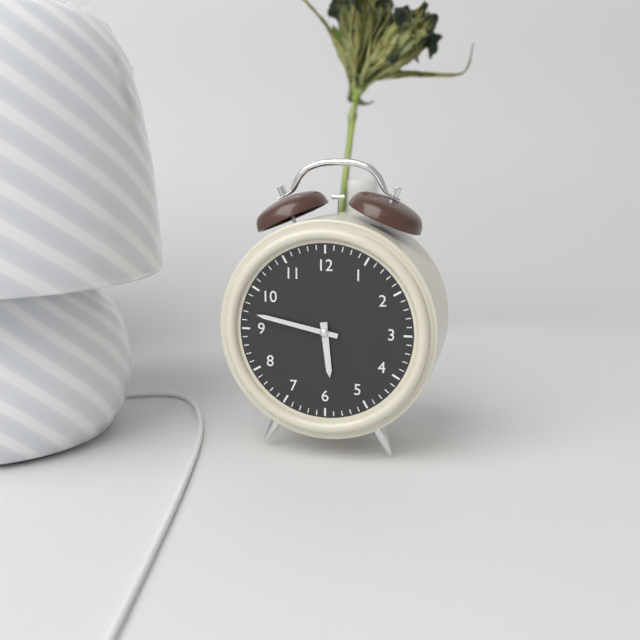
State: 5:47
